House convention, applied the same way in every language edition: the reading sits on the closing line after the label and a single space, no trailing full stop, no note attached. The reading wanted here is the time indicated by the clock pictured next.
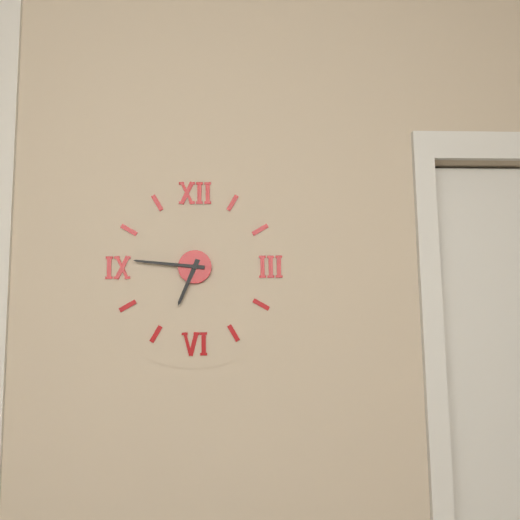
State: 6:46
